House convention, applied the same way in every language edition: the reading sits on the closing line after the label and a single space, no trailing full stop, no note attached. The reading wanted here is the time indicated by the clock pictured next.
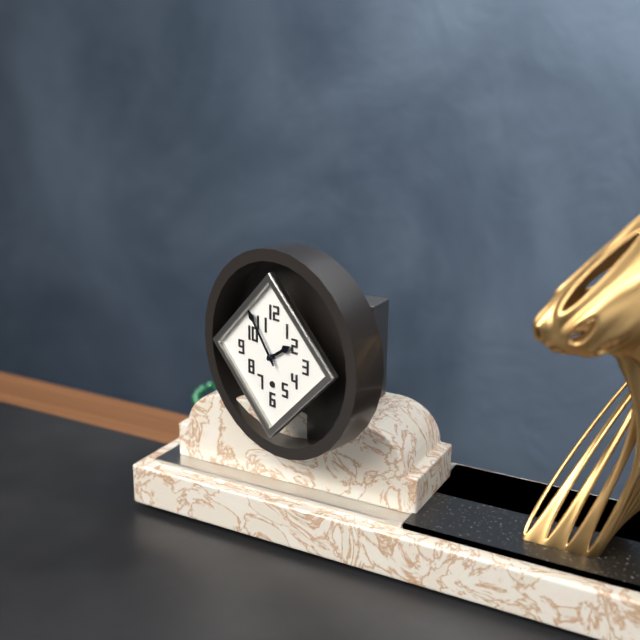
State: 1:54
